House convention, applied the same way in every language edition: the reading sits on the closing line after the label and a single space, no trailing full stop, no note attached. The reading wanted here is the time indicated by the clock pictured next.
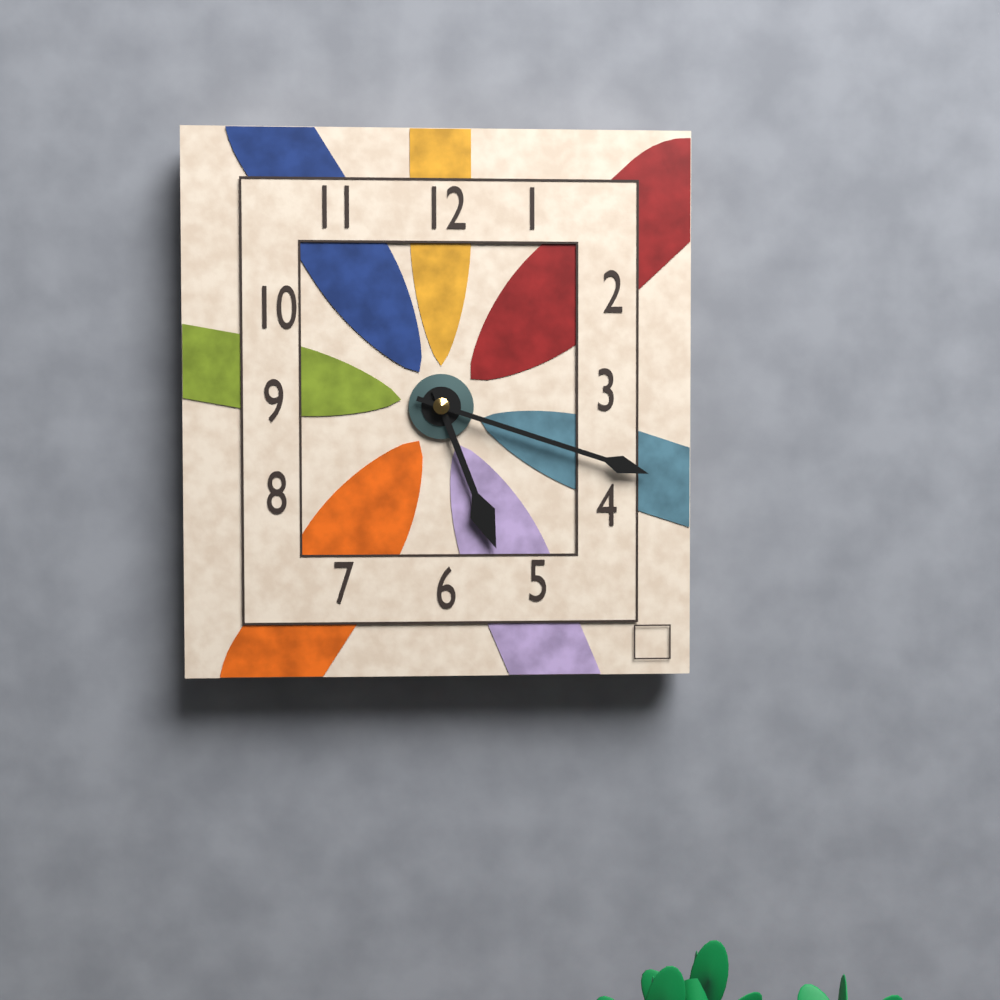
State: 5:18
